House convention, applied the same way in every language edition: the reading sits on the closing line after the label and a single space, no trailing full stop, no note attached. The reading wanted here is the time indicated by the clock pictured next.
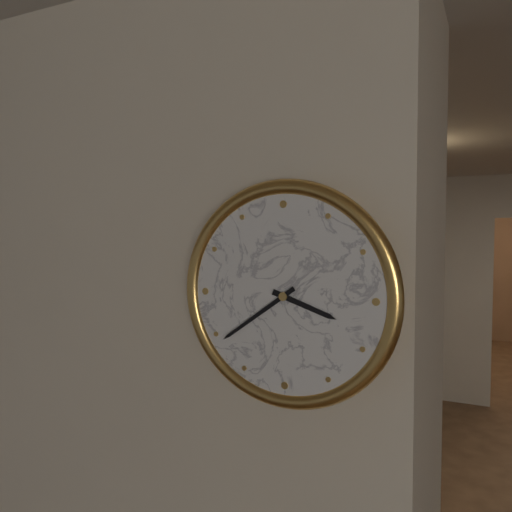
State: 3:39
